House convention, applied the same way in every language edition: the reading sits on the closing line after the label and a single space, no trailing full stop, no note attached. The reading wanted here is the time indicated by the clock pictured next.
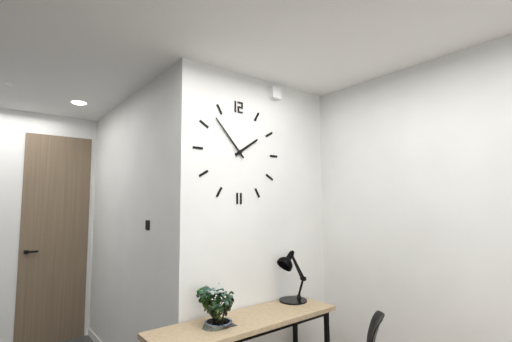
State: 1:53
